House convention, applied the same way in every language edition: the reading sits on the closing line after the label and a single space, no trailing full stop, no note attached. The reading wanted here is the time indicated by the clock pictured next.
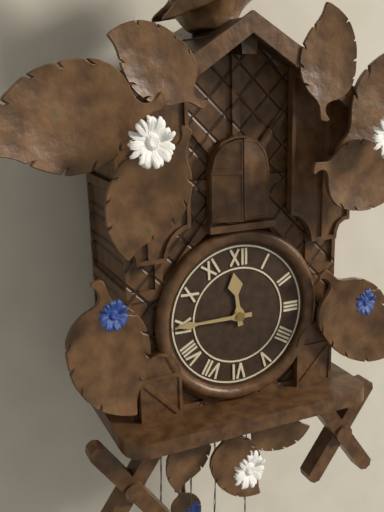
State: 11:45
